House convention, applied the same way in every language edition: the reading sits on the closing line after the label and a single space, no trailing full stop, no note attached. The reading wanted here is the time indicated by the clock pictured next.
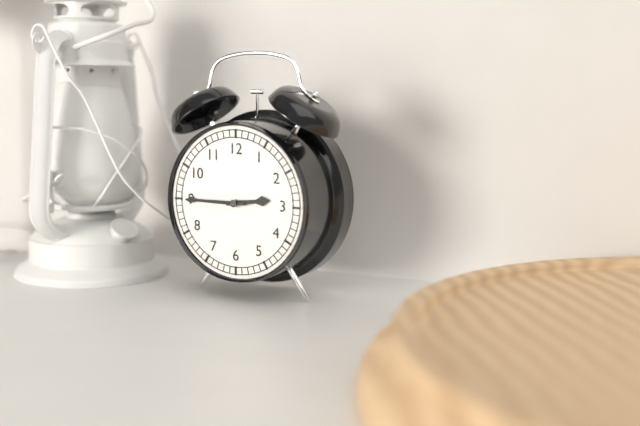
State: 2:45
